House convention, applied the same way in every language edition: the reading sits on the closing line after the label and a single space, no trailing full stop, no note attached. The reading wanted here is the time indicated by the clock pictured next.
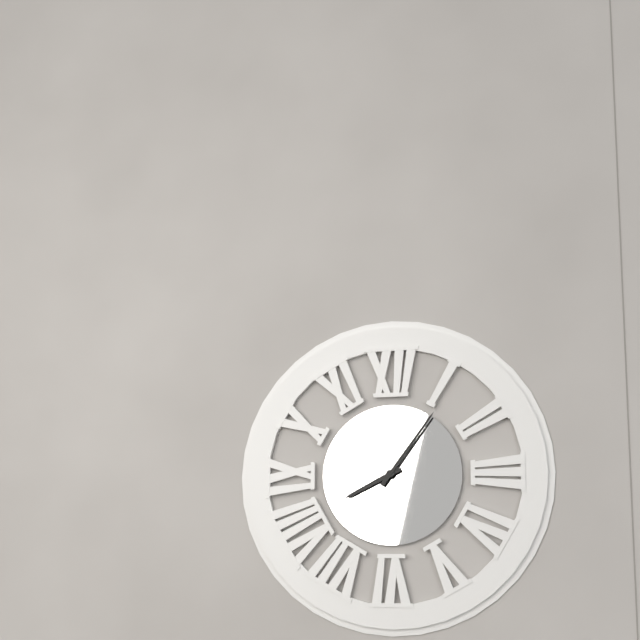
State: 8:06
